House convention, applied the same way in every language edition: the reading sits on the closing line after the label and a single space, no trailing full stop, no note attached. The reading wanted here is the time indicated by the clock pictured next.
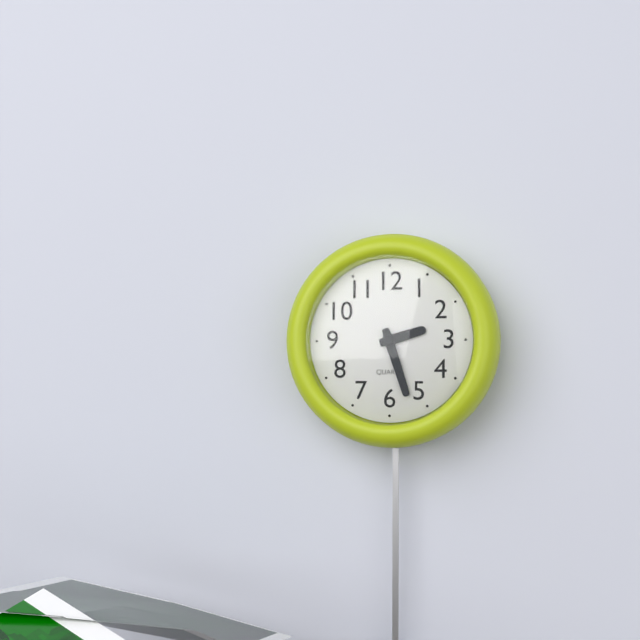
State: 2:27
